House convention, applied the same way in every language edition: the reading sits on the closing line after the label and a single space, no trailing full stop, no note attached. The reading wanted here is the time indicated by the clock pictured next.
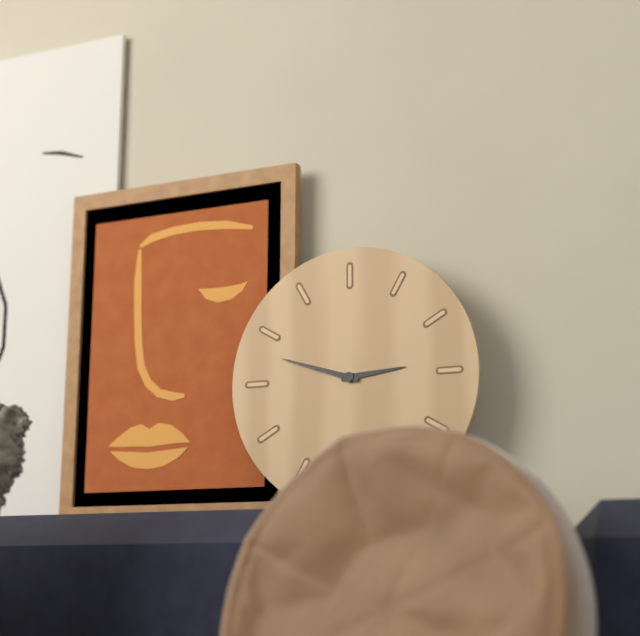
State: 2:48
